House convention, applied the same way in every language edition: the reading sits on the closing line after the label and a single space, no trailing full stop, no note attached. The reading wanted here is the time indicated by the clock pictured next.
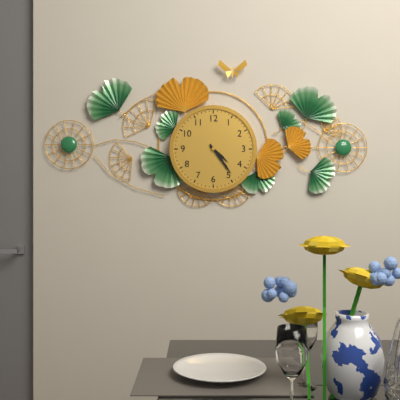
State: 4:24
